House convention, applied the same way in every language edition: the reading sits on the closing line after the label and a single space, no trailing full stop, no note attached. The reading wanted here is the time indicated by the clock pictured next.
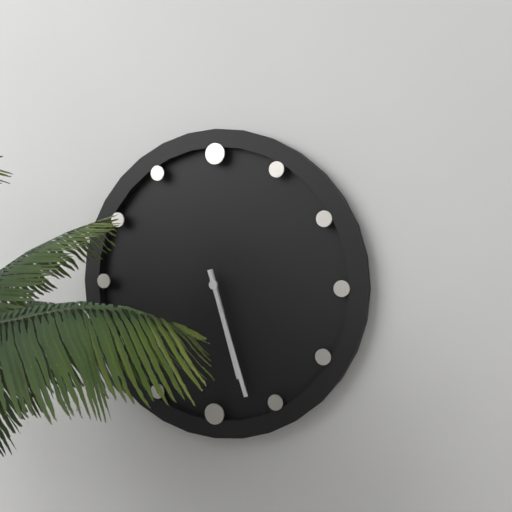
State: 5:27
